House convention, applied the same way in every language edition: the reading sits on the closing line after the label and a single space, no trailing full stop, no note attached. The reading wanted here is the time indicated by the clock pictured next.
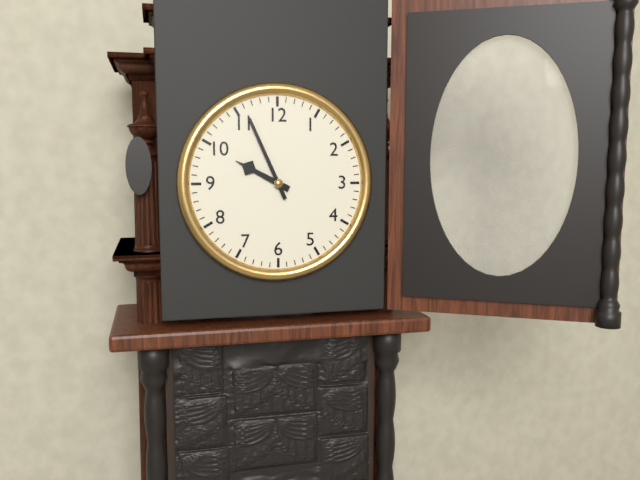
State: 9:56
